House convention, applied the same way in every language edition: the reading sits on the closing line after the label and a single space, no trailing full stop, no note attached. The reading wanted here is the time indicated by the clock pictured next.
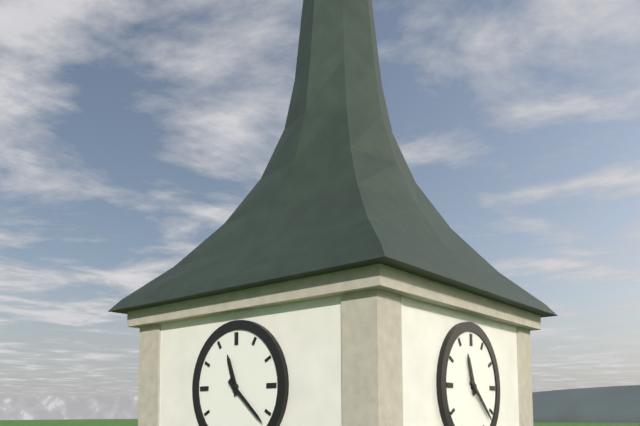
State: 11:22
